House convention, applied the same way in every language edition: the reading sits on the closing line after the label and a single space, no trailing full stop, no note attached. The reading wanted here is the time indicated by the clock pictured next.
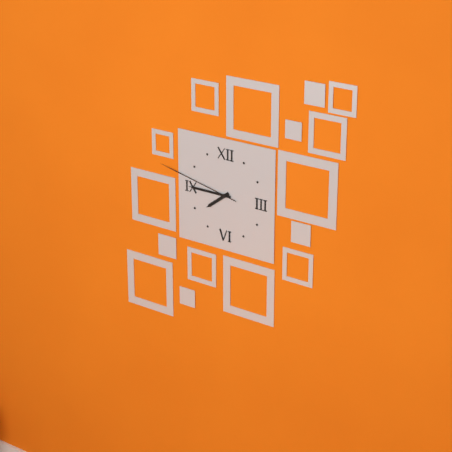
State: 7:45:47
